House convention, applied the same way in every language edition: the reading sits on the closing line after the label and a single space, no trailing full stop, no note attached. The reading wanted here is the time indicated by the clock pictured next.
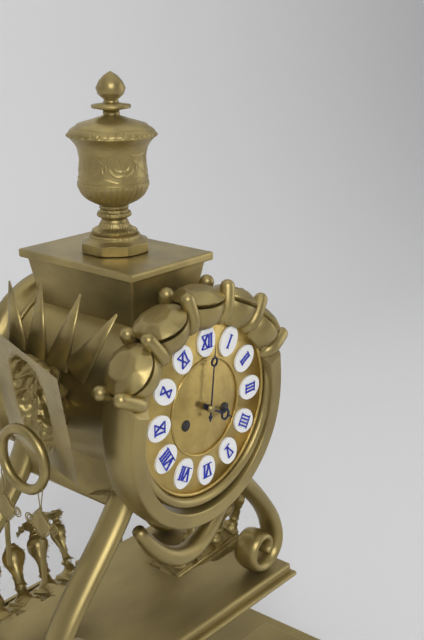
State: 4:01
